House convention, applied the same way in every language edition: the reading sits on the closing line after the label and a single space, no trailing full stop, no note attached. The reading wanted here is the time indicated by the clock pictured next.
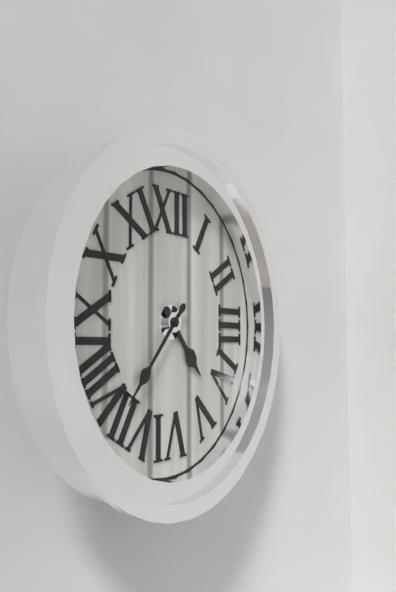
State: 4:37
